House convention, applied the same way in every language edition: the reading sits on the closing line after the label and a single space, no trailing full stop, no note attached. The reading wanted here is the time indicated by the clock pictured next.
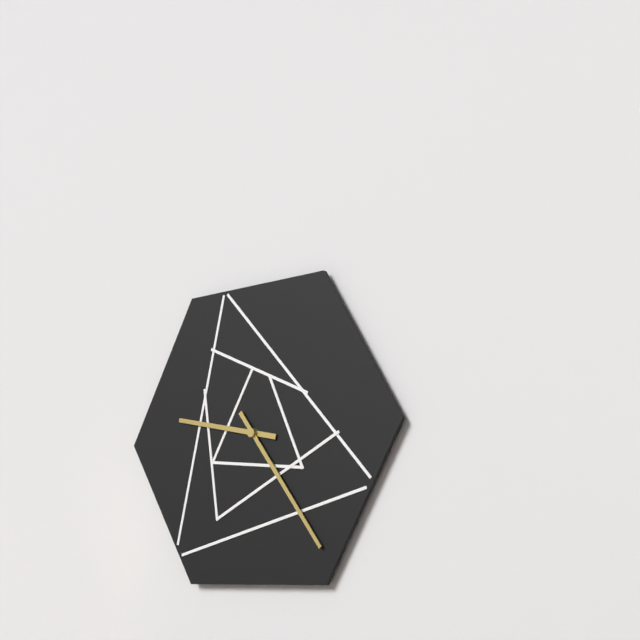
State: 9:24
